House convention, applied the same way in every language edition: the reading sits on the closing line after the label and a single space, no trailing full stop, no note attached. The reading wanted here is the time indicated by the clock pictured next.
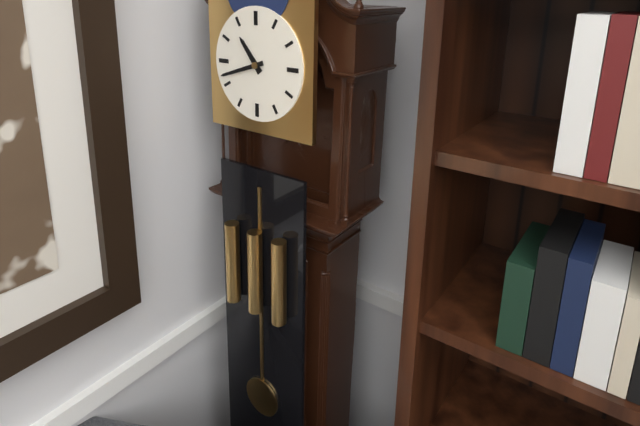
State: 10:42
